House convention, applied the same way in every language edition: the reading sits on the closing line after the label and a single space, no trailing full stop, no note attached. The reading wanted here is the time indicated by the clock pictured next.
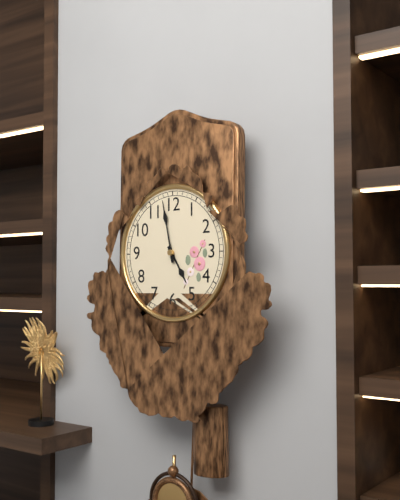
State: 4:58
